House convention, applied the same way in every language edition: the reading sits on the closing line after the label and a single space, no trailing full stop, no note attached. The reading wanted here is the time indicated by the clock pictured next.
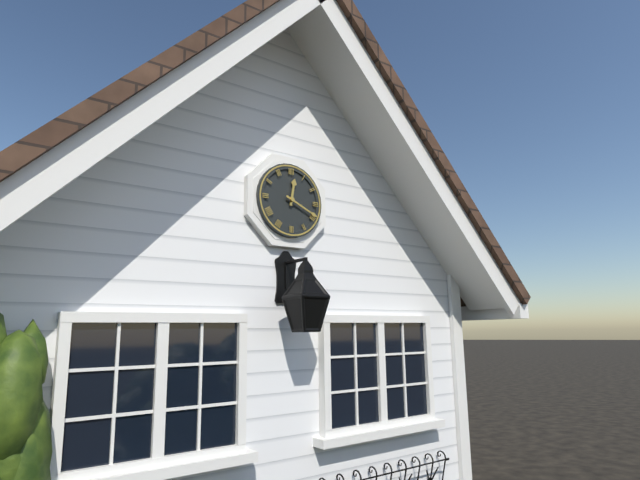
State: 12:19
